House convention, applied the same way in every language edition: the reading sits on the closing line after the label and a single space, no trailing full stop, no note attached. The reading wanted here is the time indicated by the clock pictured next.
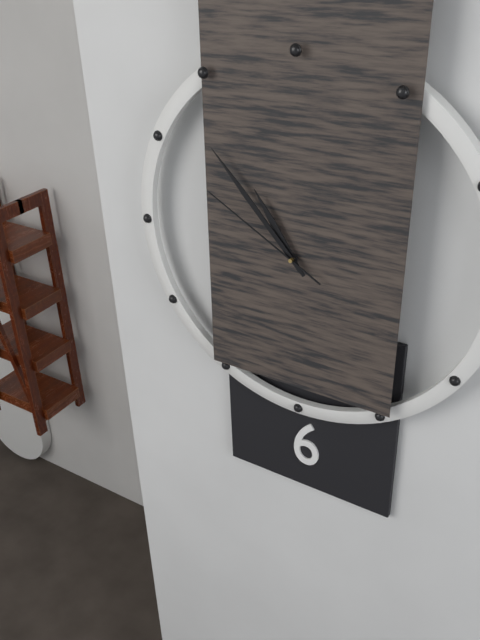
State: 10:53:50
